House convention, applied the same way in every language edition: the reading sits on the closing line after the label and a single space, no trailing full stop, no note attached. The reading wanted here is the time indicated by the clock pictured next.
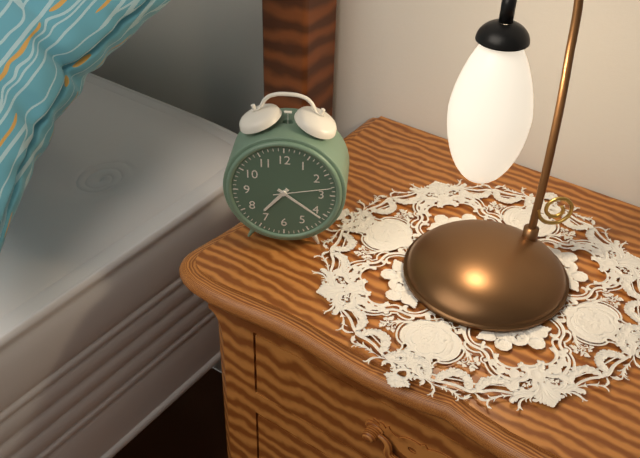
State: 7:21:13
